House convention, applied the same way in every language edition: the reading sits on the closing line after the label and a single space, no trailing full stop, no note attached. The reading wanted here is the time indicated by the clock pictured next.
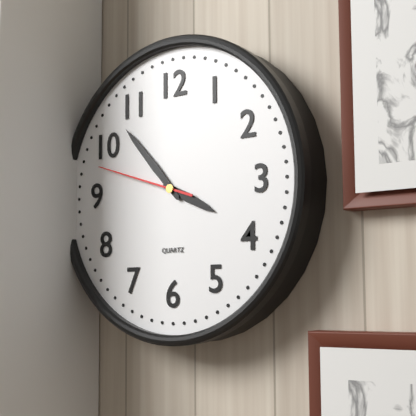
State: 3:53:48
